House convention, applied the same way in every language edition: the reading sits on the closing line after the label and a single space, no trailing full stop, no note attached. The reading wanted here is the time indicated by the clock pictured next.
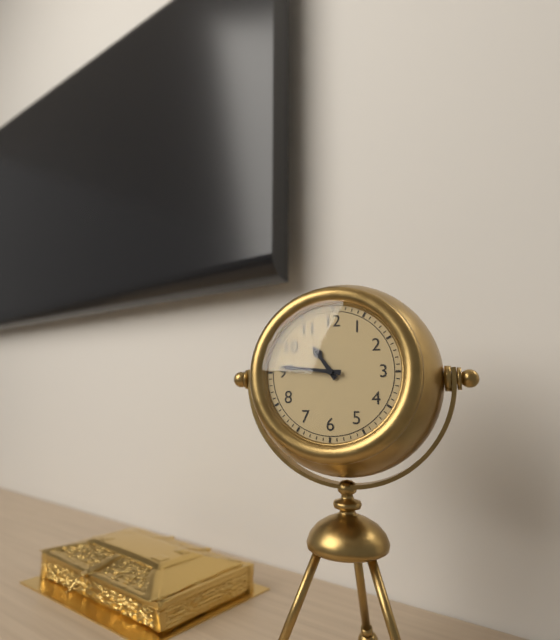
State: 10:46
